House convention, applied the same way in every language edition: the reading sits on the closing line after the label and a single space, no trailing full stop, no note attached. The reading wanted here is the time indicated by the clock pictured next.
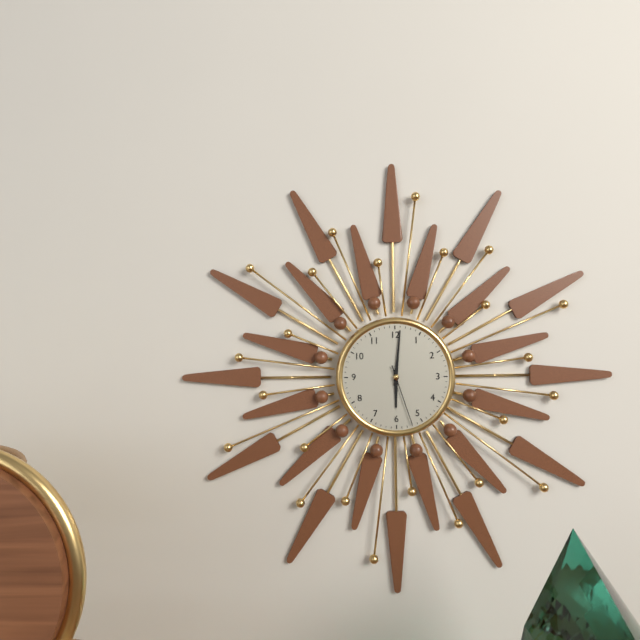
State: 6:01:27
